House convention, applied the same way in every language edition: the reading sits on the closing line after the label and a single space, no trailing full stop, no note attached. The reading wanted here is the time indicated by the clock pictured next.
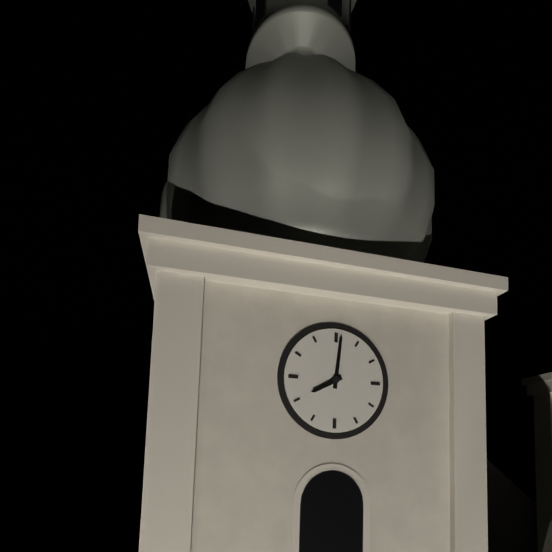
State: 8:01
